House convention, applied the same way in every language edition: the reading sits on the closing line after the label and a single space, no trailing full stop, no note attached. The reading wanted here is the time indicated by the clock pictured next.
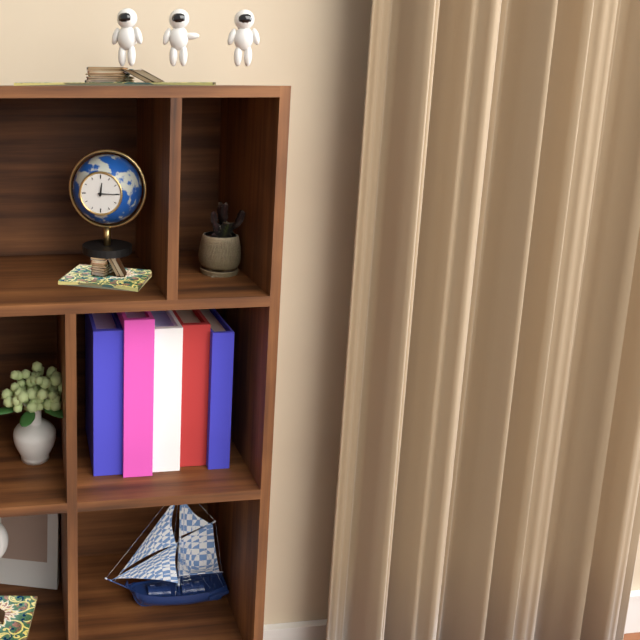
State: 12:15
